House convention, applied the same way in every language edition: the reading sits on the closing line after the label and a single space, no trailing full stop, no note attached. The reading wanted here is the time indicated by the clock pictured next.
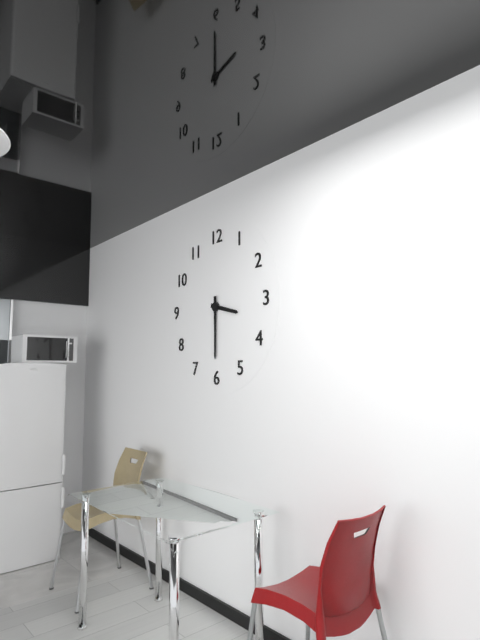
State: 3:30
